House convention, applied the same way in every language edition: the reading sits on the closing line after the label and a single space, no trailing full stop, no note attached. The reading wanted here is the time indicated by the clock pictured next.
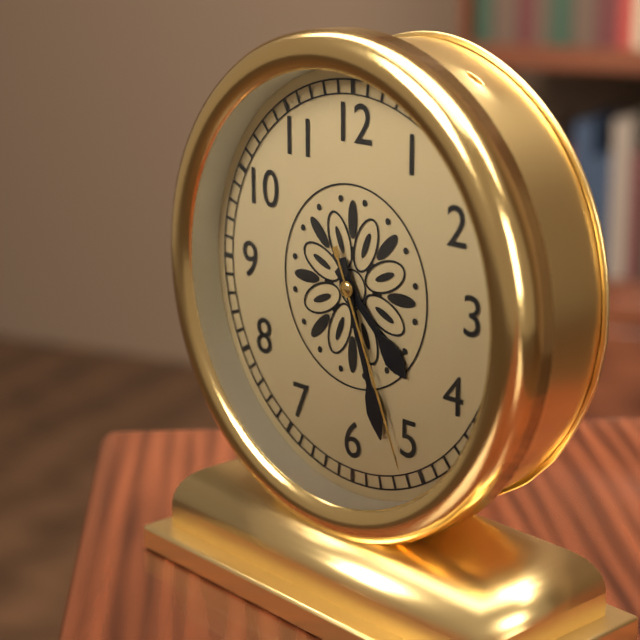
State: 4:27:26
